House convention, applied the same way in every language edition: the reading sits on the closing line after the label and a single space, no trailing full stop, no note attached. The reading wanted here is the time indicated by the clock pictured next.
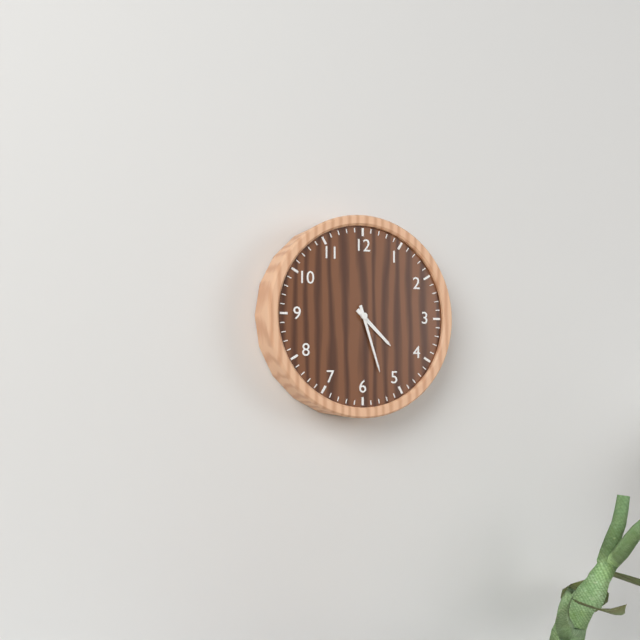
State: 4:27
